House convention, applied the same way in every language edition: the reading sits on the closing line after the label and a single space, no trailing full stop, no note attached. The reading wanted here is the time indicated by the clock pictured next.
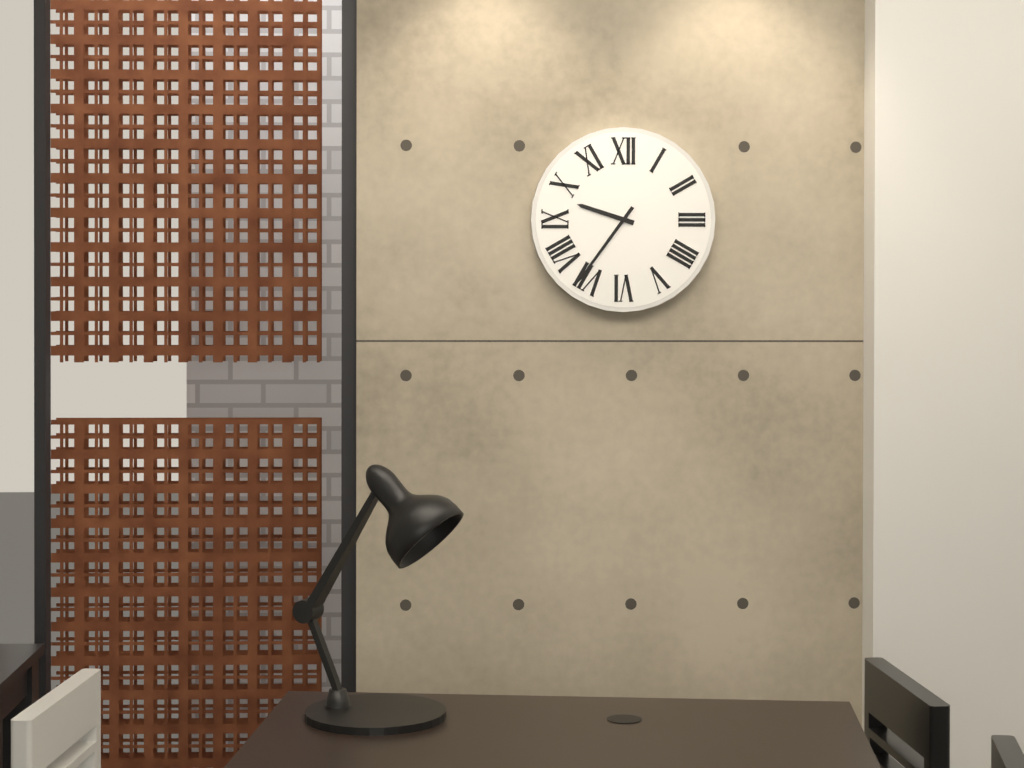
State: 9:36
